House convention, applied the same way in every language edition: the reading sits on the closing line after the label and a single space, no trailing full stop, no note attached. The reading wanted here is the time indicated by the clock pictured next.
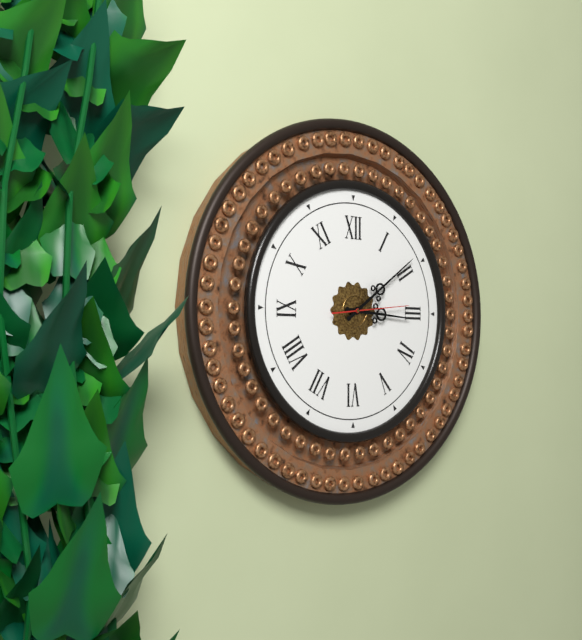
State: 3:09:14
